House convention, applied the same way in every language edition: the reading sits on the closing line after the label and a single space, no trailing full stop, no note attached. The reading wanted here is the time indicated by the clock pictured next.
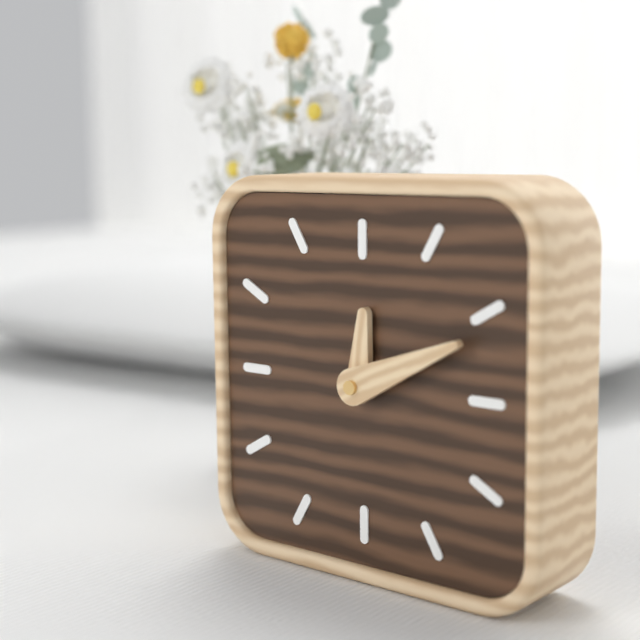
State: 12:11
